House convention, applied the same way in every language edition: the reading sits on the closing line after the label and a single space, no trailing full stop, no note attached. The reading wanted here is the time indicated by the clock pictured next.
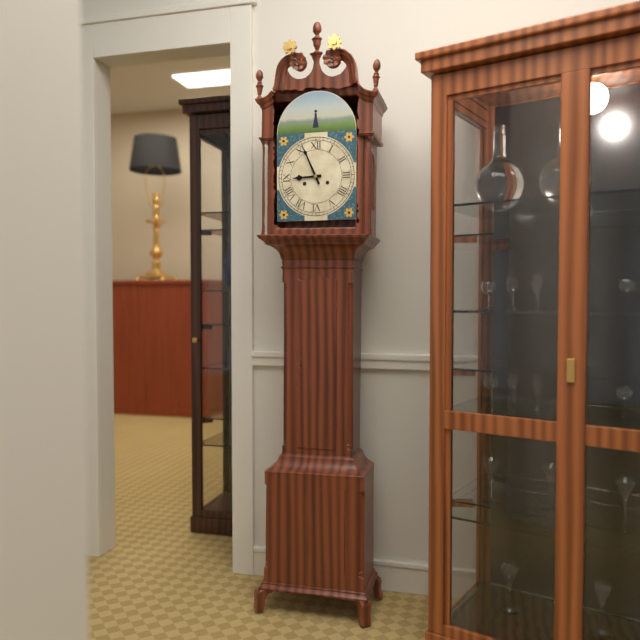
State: 8:56
